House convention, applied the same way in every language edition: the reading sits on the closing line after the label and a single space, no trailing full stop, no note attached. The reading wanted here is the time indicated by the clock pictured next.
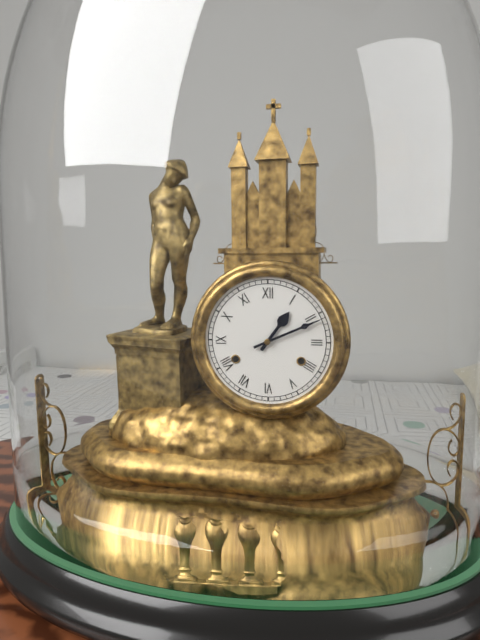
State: 1:11
